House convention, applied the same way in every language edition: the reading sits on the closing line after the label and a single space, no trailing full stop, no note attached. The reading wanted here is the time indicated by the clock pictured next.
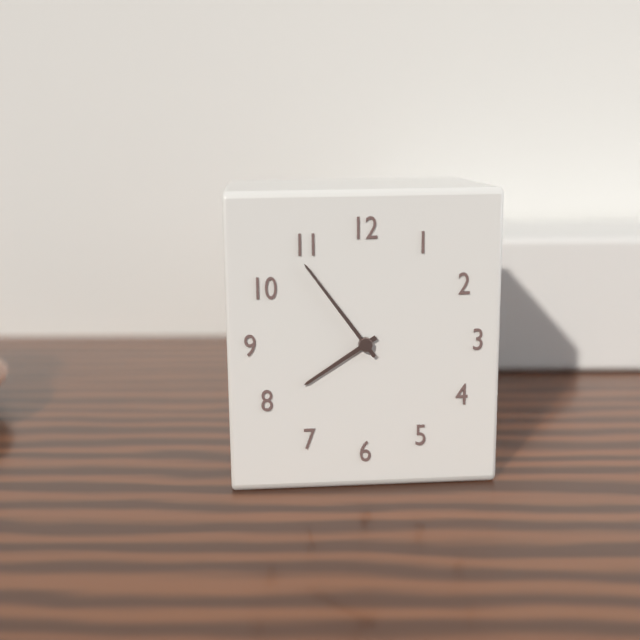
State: 7:54
